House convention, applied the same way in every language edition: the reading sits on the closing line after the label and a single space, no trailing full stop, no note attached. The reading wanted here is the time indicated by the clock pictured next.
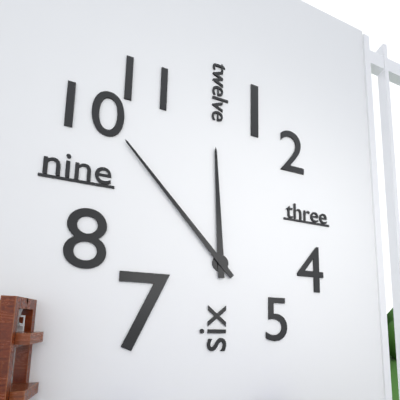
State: 11:53
